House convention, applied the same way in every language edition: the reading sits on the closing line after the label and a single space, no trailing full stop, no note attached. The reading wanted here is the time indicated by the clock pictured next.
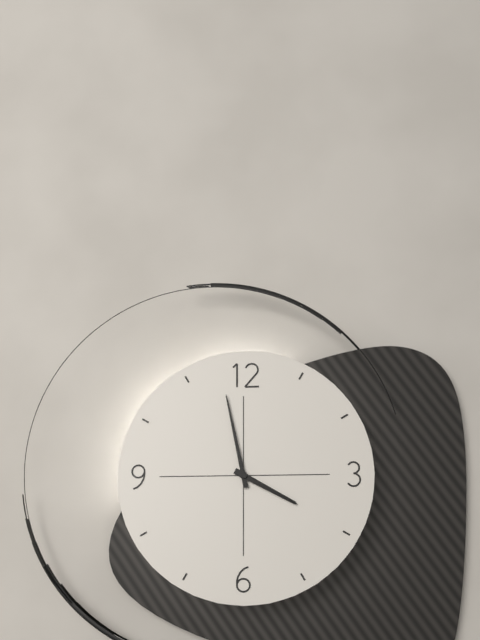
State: 3:58
